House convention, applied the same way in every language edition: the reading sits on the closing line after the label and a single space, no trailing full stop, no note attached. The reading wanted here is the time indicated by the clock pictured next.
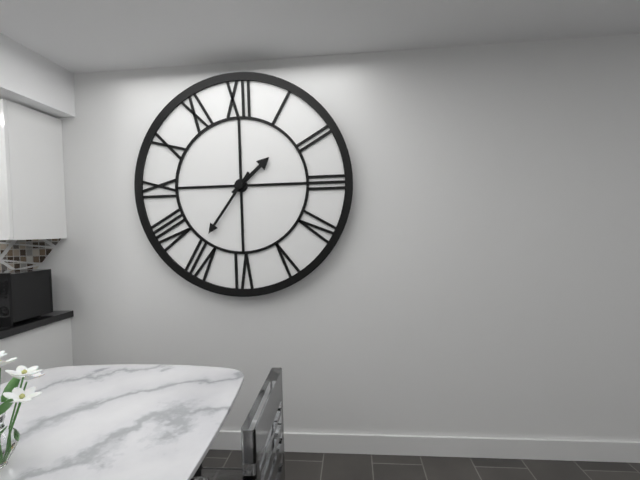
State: 1:36
